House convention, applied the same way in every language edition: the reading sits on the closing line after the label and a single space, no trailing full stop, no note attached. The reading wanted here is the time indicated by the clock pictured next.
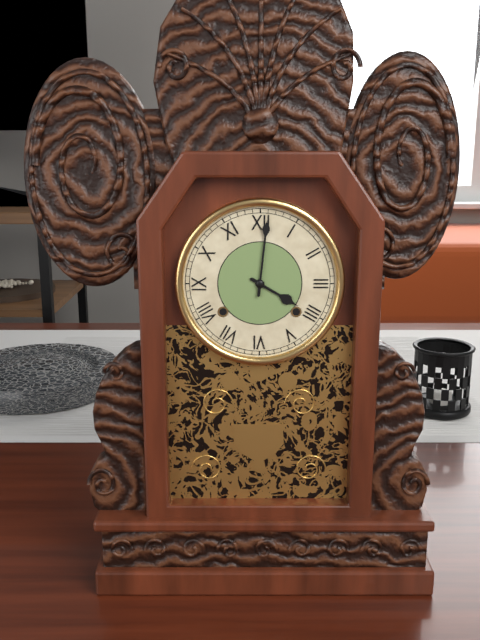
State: 4:01
